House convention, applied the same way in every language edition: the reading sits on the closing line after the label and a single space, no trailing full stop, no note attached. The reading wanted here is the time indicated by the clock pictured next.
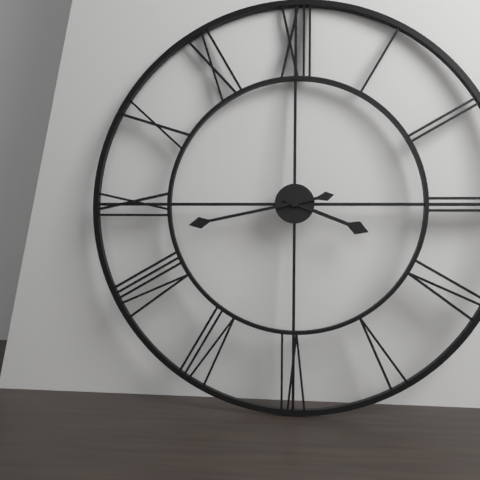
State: 3:43
